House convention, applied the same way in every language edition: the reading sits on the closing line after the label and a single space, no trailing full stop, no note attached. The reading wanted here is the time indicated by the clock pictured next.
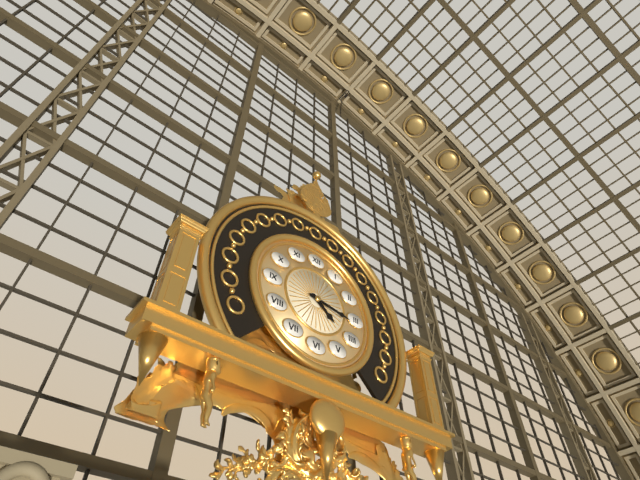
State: 4:16
